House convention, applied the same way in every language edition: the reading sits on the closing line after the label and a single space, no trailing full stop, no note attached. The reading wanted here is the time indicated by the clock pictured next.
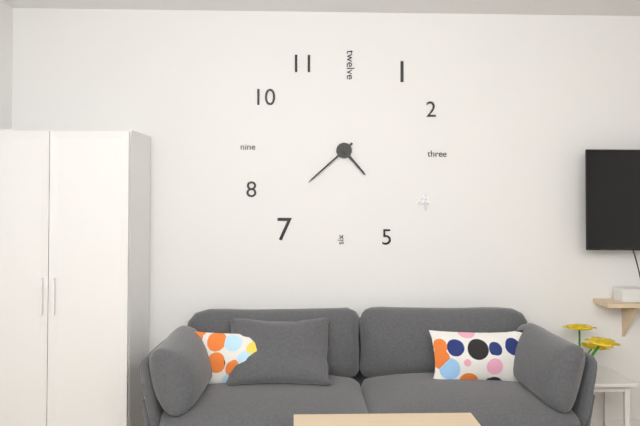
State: 4:38
